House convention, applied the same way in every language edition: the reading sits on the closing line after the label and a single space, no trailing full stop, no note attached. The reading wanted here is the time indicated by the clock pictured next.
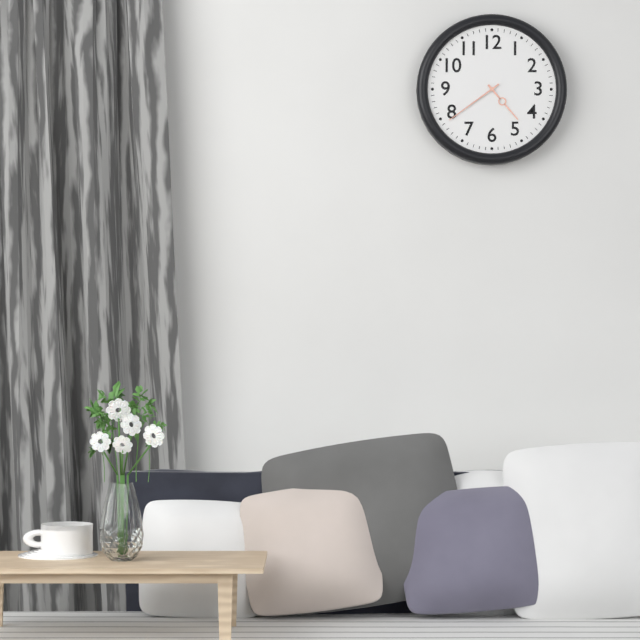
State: 4:39
